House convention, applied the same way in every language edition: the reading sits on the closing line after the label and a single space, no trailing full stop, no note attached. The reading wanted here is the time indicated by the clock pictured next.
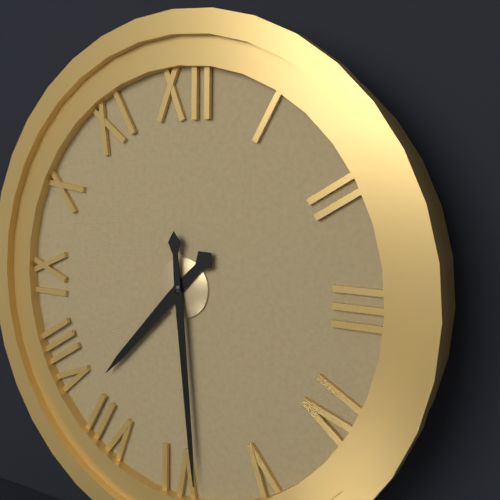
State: 7:29
